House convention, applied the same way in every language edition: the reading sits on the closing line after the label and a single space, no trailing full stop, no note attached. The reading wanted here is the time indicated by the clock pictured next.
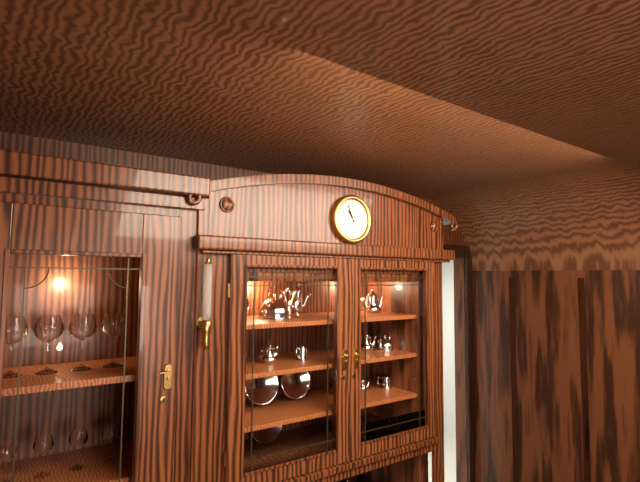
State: 10:56
